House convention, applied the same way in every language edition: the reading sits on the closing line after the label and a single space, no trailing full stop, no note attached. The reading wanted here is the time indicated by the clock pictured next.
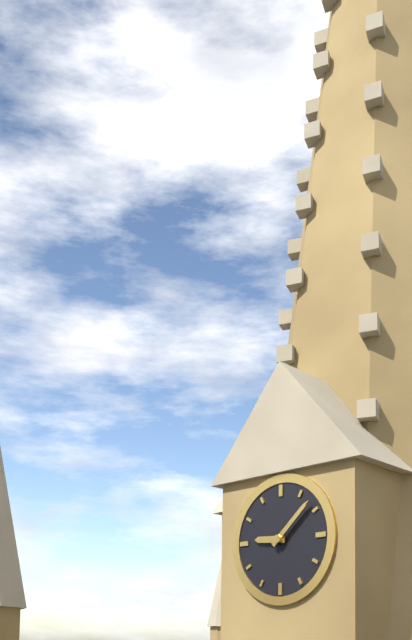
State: 9:08
